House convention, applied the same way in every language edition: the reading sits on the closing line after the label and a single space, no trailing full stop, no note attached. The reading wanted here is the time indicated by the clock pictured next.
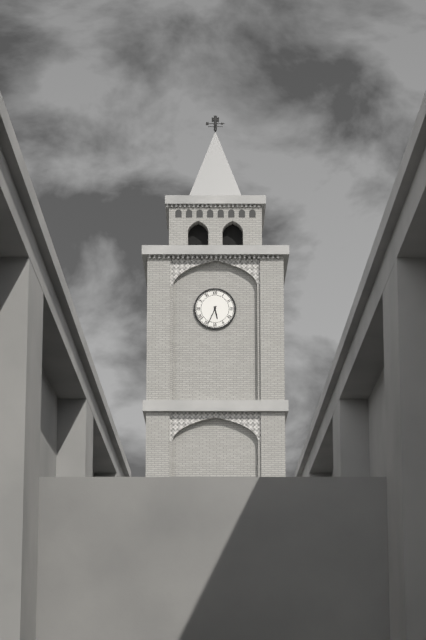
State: 5:34
